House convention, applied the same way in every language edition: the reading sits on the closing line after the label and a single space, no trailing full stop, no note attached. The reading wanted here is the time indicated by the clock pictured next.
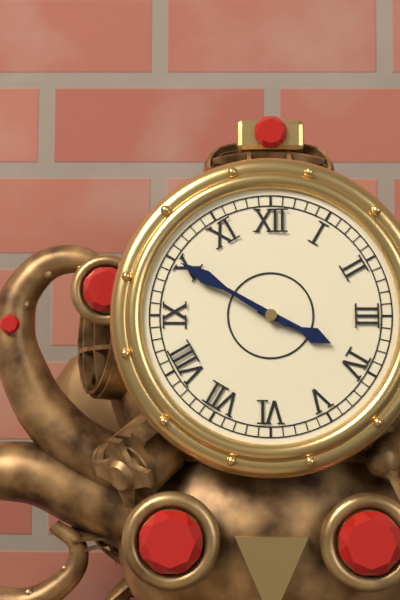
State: 3:50
